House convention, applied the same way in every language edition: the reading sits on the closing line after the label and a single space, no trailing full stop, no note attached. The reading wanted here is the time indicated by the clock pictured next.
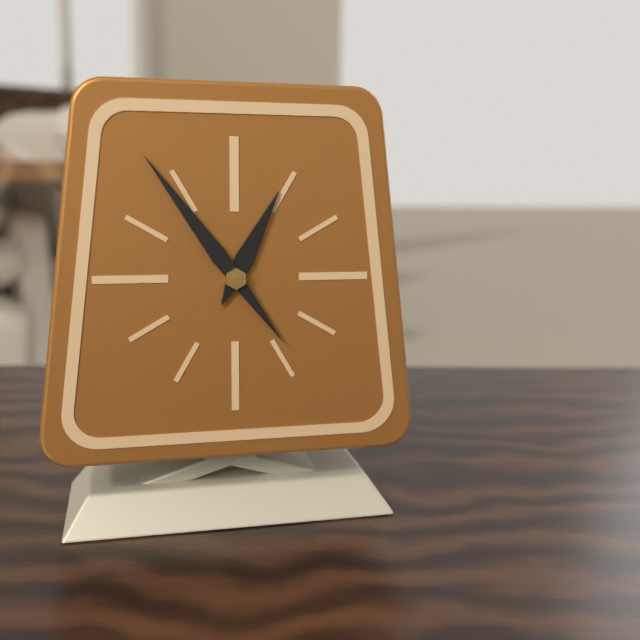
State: 12:54
